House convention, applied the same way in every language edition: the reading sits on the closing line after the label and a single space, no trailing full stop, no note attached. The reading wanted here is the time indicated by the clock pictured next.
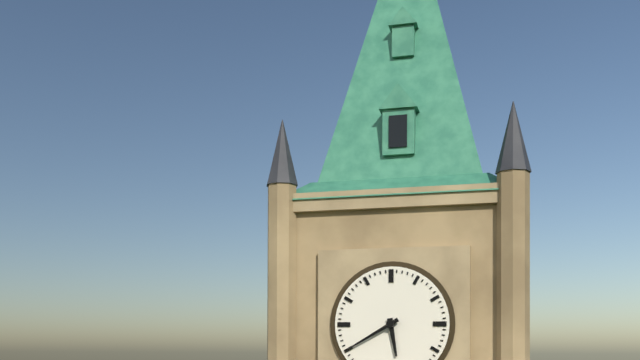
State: 5:40
